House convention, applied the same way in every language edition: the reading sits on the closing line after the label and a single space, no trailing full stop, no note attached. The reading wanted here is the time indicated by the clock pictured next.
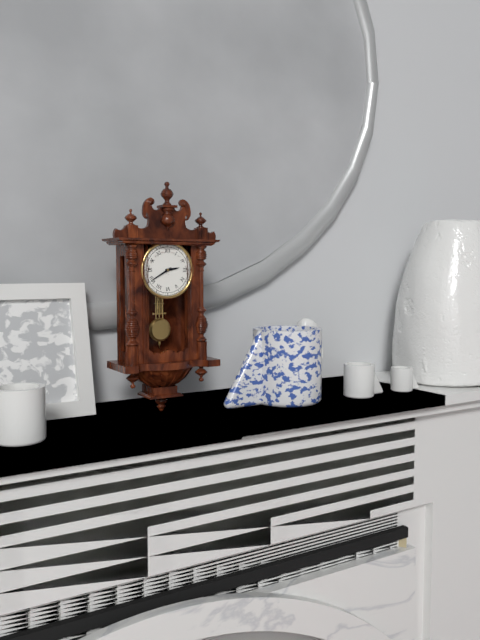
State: 2:40
